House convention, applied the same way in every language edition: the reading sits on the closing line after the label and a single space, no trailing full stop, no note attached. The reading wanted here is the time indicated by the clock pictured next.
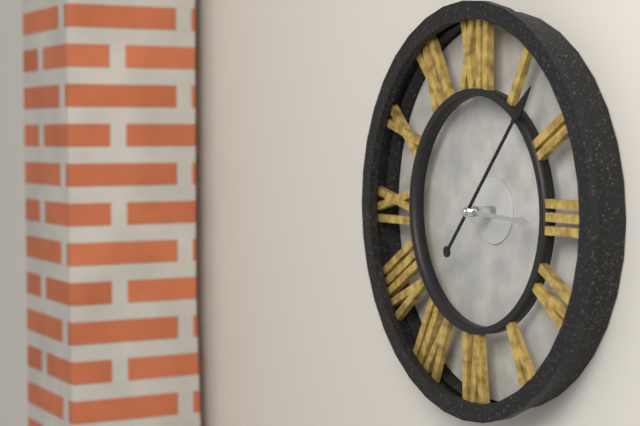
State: 3:07
